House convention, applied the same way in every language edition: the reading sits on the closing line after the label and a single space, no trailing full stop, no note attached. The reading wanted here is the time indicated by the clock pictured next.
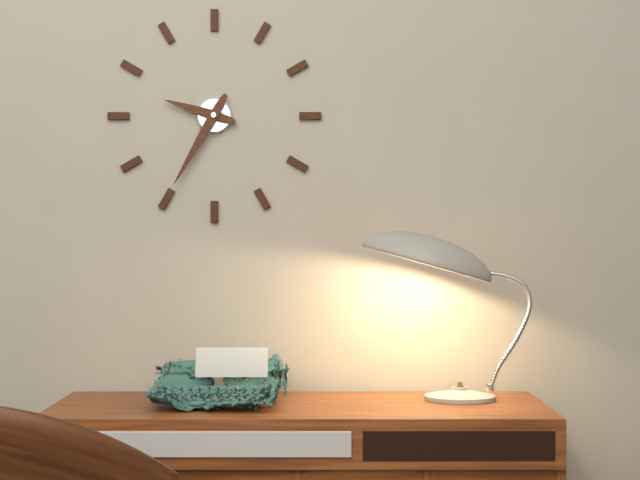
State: 9:35
